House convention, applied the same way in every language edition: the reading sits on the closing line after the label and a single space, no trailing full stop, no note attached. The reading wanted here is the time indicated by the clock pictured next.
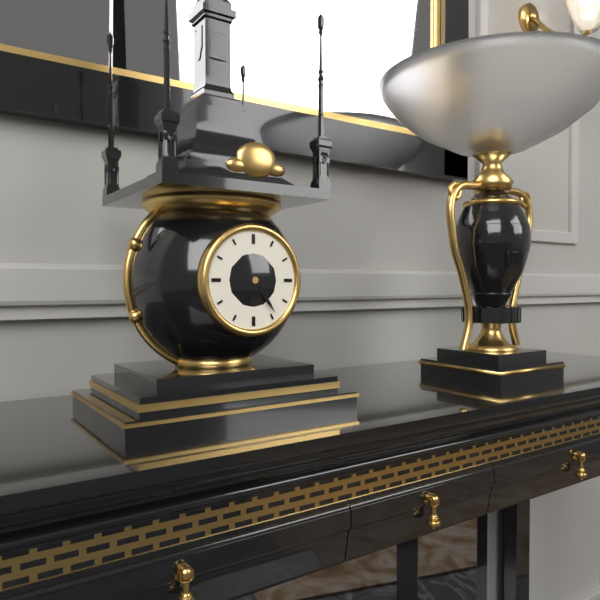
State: 4:24
